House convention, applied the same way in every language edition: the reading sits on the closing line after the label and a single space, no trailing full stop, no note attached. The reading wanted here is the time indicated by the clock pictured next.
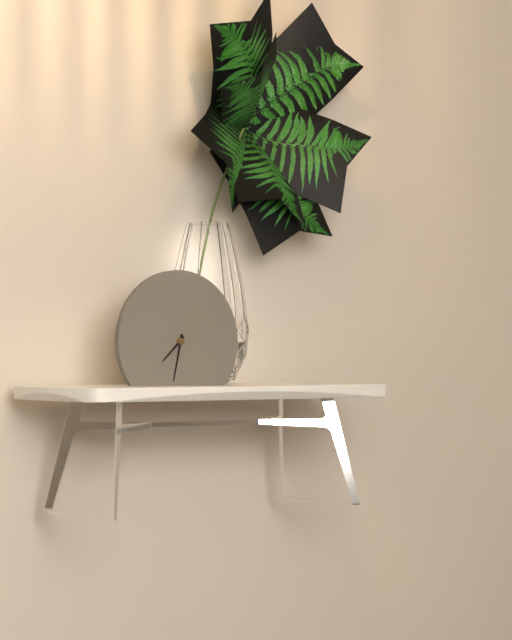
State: 7:32
